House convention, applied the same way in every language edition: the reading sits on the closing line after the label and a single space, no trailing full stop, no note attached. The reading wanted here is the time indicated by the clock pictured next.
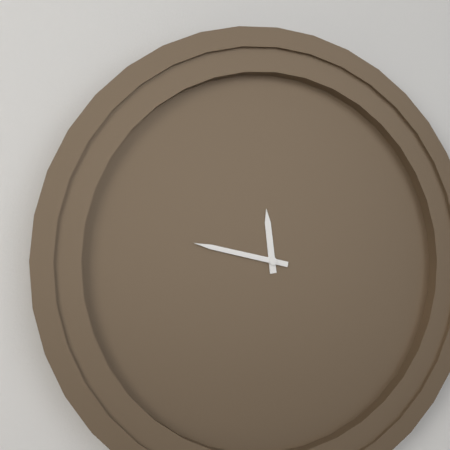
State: 11:47
